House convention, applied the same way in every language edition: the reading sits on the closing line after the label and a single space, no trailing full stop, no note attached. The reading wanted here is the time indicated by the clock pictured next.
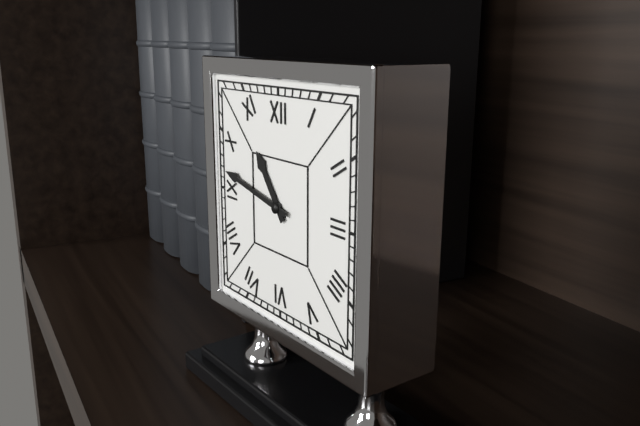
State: 10:47
